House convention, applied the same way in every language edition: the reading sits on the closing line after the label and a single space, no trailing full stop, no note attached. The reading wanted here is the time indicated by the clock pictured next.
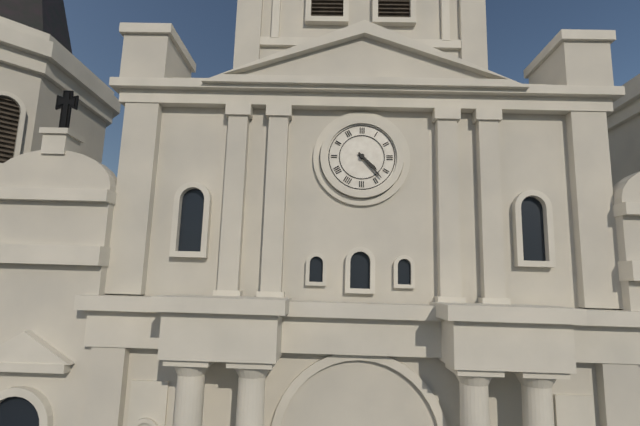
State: 4:23
